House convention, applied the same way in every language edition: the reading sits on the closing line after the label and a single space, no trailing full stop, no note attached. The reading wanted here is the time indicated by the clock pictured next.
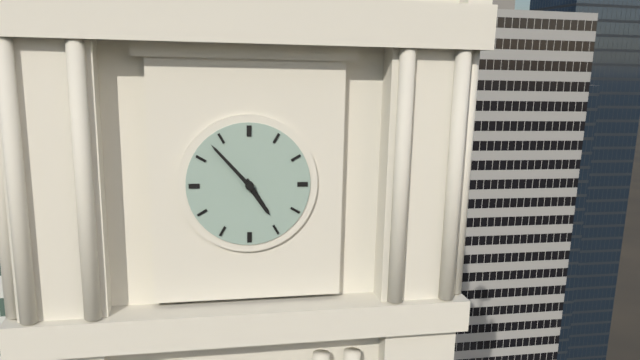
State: 4:53
